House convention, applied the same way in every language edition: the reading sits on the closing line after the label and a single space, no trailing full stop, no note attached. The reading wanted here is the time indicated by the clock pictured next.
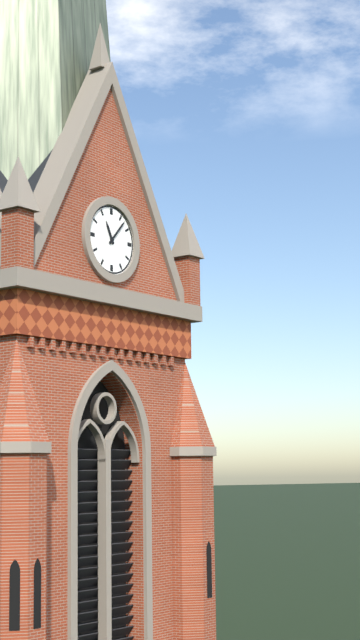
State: 11:07
